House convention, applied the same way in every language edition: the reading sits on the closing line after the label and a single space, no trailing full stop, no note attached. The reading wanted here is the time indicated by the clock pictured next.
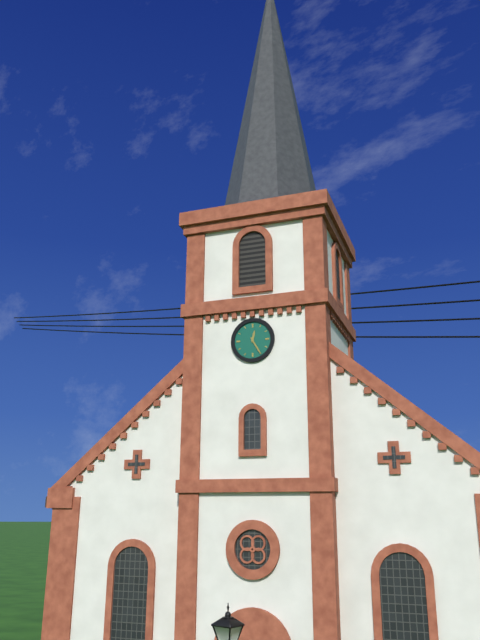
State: 12:25
